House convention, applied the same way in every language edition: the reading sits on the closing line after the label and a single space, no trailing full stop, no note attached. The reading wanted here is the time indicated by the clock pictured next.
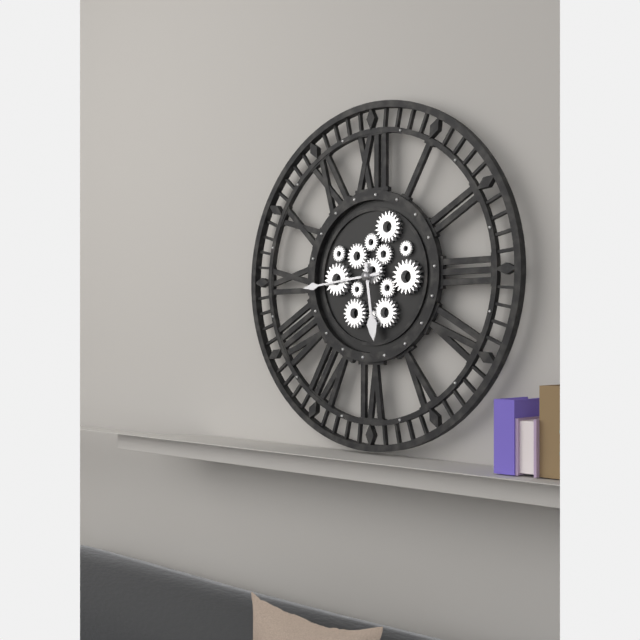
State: 5:44
